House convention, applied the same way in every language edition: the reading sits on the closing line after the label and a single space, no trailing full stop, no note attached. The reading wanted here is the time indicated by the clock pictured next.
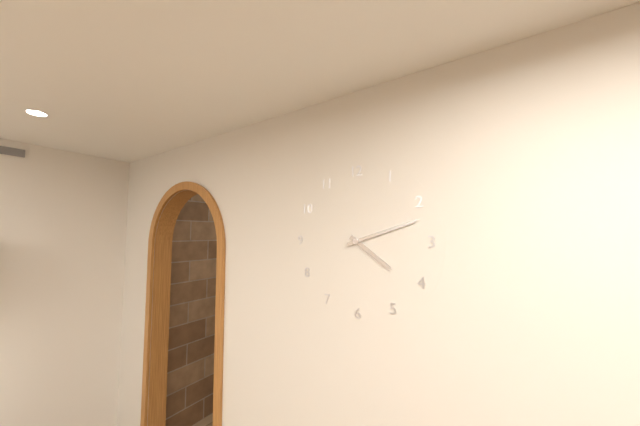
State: 4:12
